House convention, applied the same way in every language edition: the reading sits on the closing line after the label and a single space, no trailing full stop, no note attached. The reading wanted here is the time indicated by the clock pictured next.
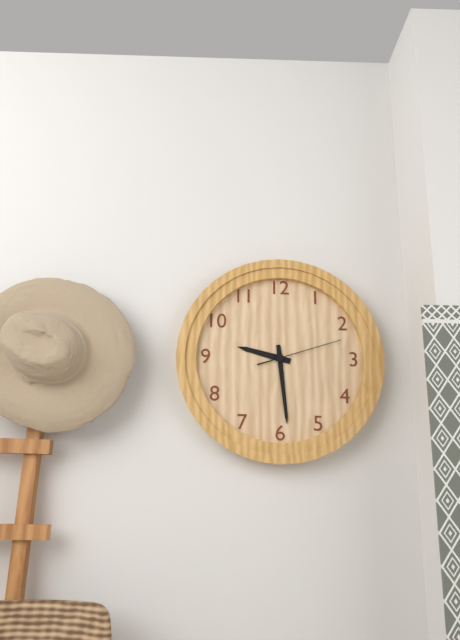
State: 9:29:12
